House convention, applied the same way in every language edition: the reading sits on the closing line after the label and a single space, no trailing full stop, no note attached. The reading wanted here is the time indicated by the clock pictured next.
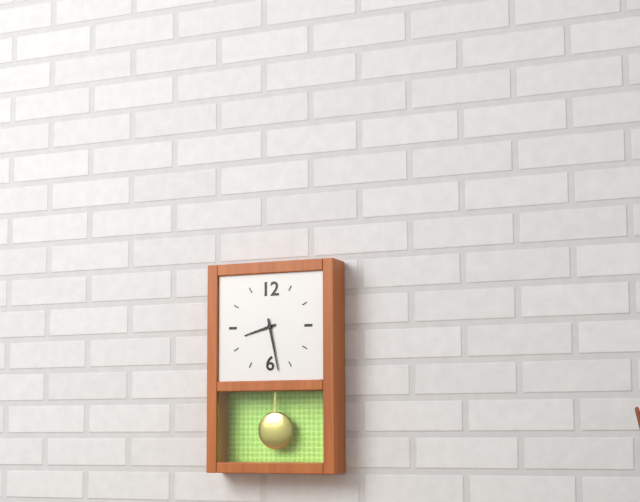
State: 8:28
